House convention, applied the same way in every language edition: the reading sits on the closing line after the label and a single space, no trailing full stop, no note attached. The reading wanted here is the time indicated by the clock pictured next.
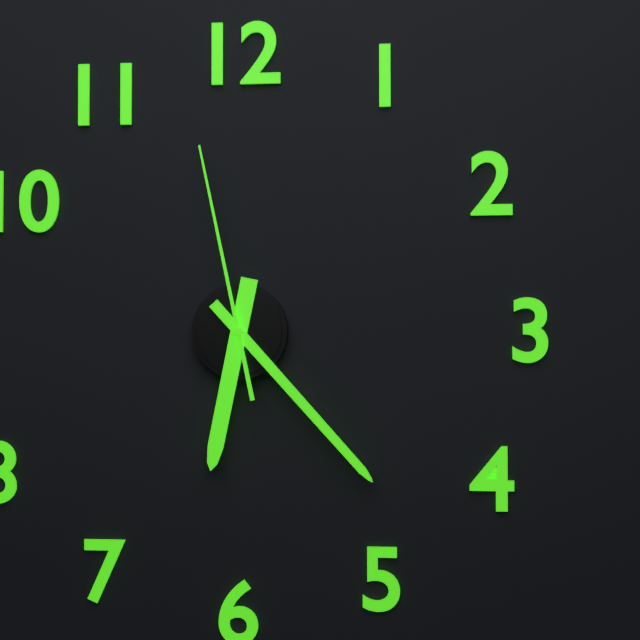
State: 6:23:58
